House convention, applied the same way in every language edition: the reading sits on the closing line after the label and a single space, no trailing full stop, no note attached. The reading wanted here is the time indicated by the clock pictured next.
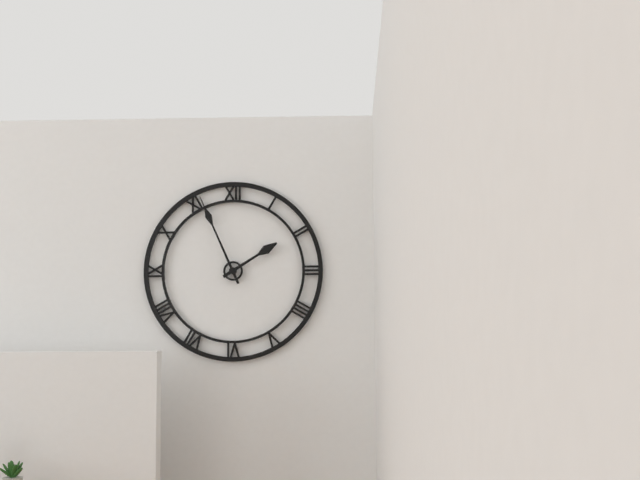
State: 1:56
